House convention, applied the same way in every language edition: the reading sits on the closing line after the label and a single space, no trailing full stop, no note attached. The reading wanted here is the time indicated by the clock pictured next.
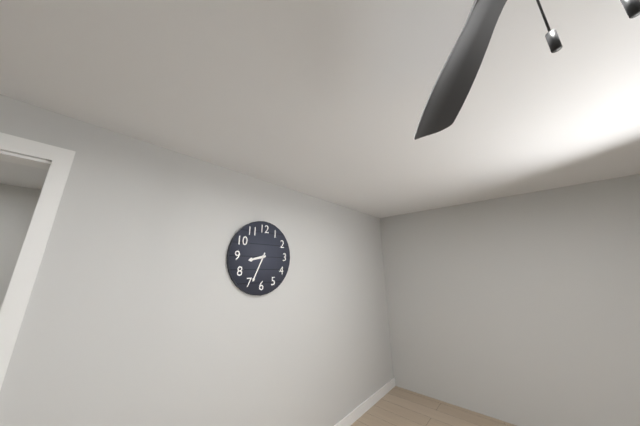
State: 8:34
